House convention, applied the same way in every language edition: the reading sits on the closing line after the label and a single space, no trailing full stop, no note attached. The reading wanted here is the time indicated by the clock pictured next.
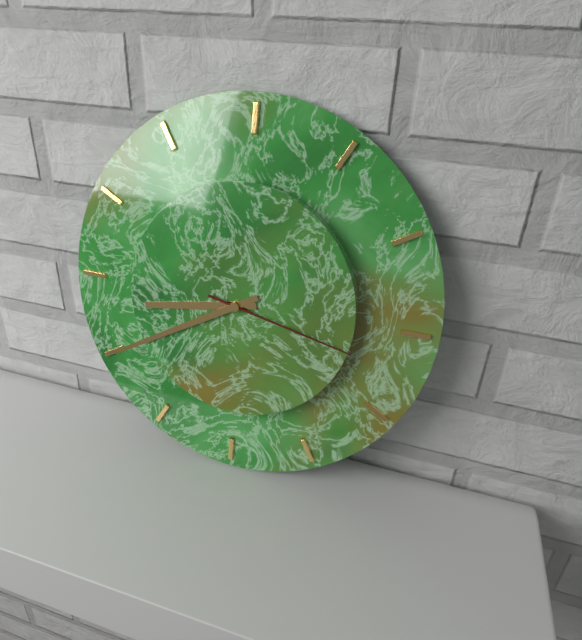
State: 8:40:17
